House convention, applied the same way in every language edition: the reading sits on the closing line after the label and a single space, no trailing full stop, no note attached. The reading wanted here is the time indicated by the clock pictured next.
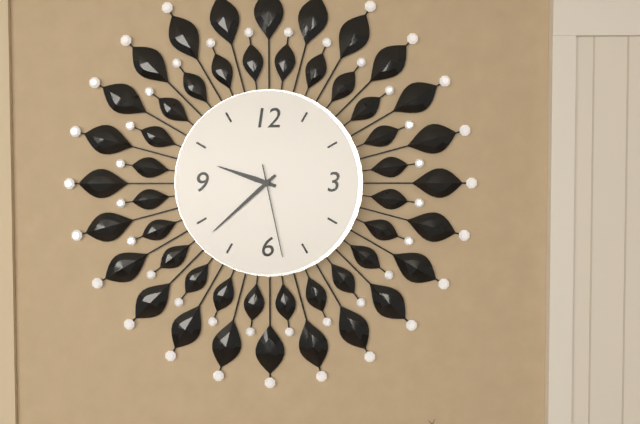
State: 9:38:28
